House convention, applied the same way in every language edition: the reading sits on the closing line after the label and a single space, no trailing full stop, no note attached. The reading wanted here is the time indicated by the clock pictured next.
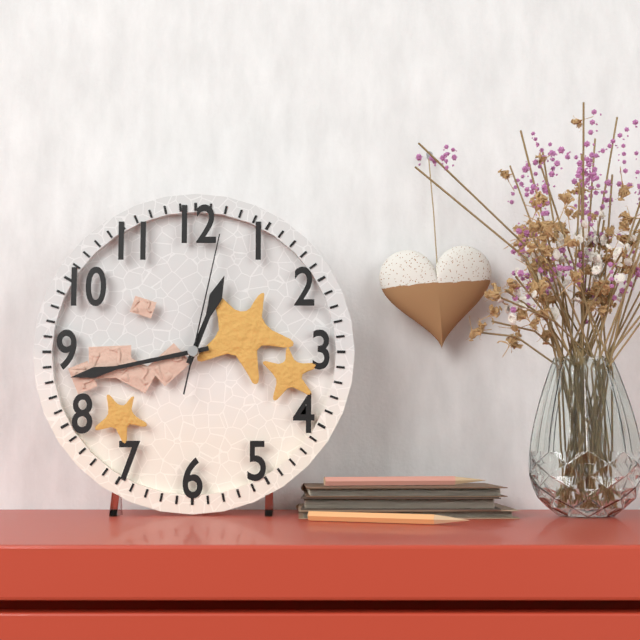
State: 12:43:02
